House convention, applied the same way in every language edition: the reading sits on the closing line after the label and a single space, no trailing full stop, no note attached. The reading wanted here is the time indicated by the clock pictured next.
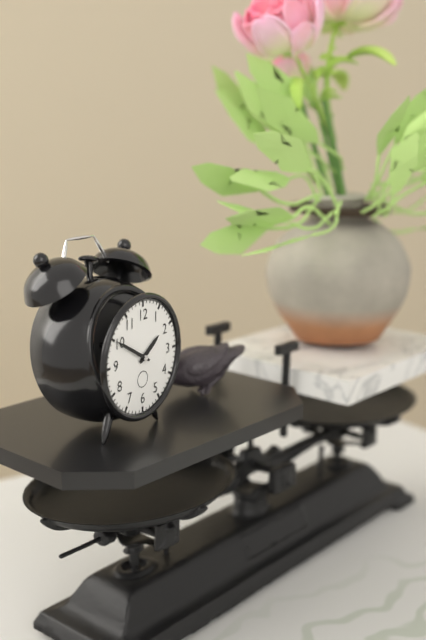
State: 1:50
